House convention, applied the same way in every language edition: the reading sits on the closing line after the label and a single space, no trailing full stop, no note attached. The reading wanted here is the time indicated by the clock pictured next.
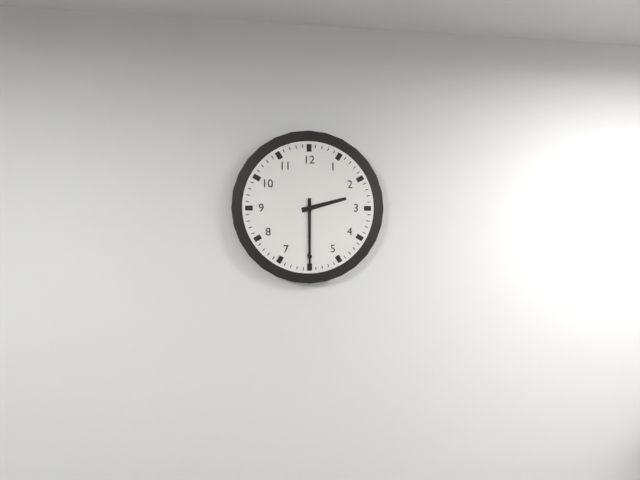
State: 2:30
